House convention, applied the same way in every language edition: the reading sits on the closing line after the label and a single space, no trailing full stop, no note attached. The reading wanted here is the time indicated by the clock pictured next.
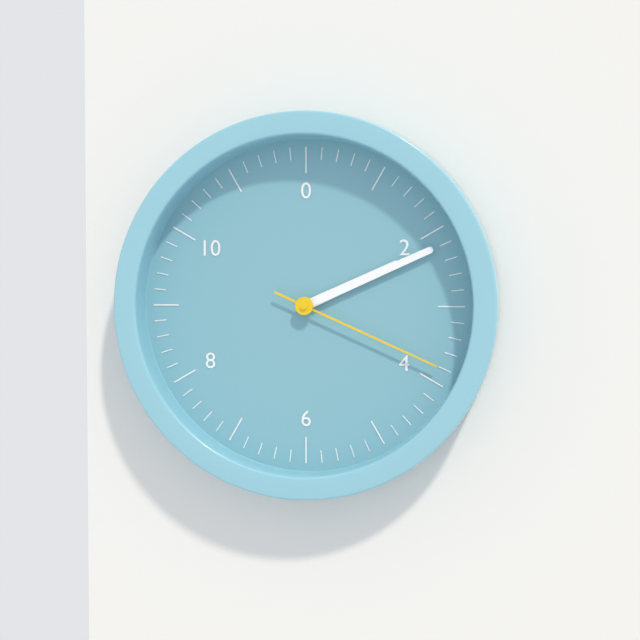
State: 2:11:19
